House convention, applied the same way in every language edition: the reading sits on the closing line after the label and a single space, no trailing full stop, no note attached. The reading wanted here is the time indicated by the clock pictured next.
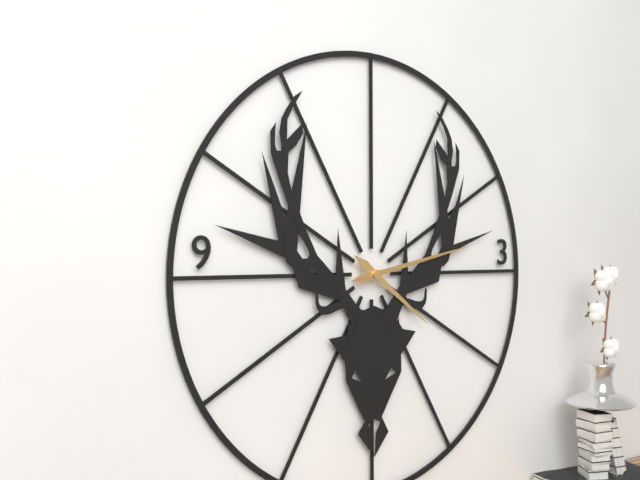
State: 4:13:13
